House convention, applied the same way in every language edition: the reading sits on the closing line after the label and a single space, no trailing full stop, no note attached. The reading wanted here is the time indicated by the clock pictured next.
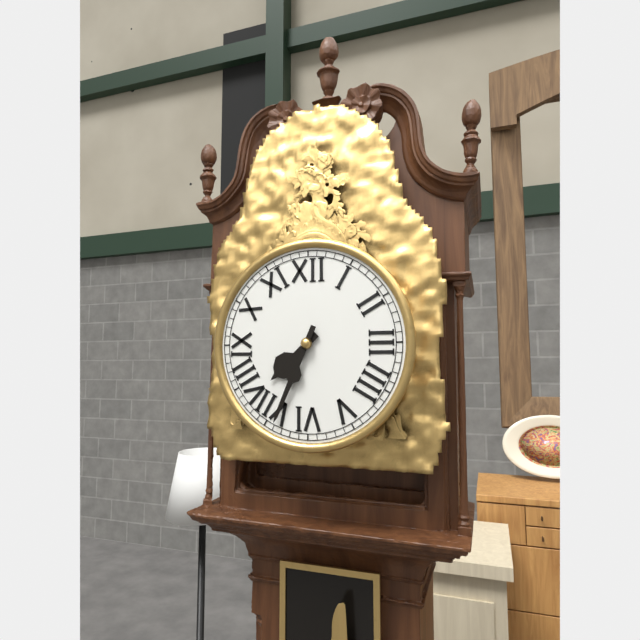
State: 7:34
